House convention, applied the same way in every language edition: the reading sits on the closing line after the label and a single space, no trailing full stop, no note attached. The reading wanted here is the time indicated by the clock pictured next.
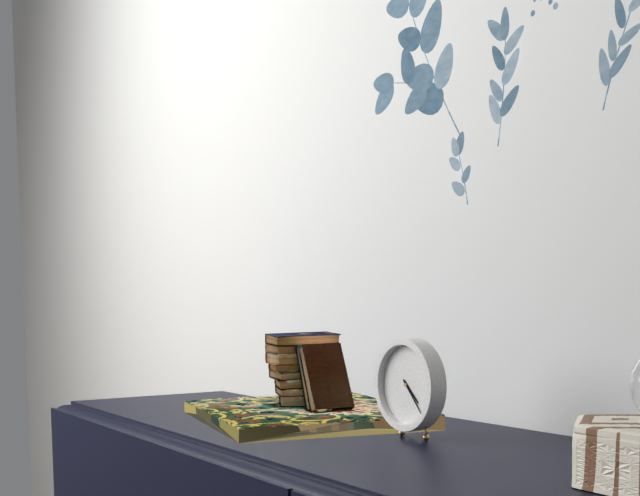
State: 4:23
